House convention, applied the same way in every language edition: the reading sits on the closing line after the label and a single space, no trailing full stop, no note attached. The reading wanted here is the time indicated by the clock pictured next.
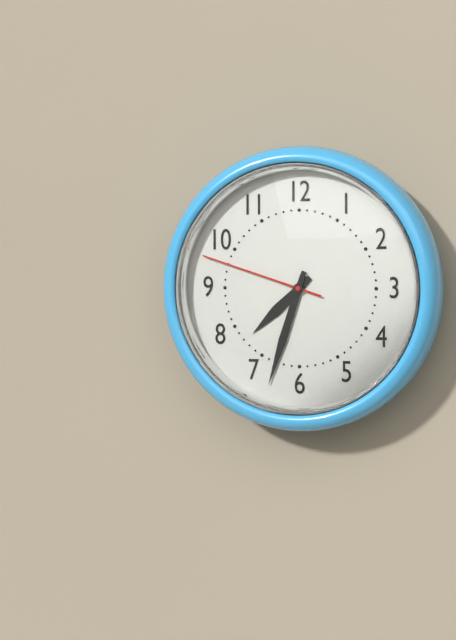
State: 7:33:48
